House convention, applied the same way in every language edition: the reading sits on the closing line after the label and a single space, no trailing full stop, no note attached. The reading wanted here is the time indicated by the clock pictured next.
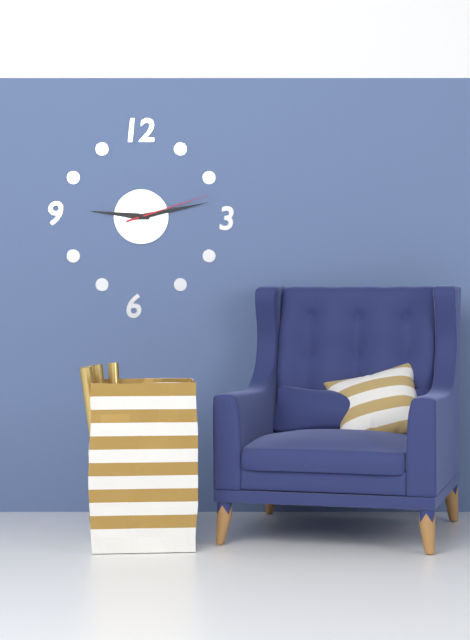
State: 9:13:12
